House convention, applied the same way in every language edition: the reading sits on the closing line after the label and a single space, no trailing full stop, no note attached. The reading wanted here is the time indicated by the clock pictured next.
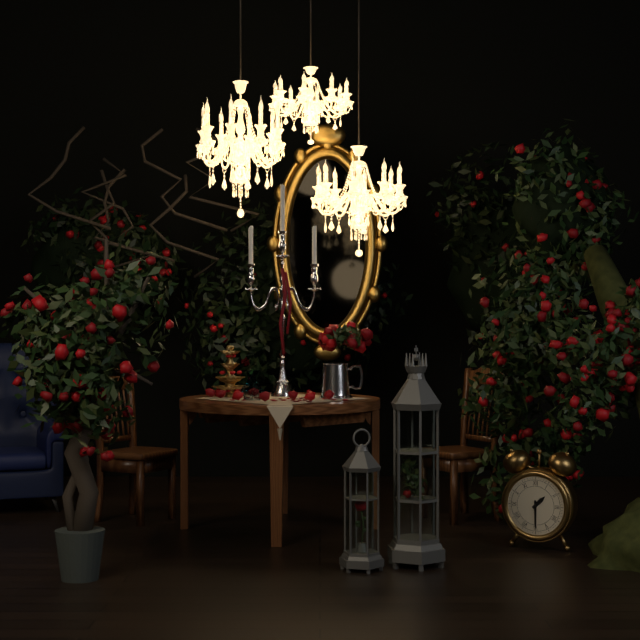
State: 1:30
